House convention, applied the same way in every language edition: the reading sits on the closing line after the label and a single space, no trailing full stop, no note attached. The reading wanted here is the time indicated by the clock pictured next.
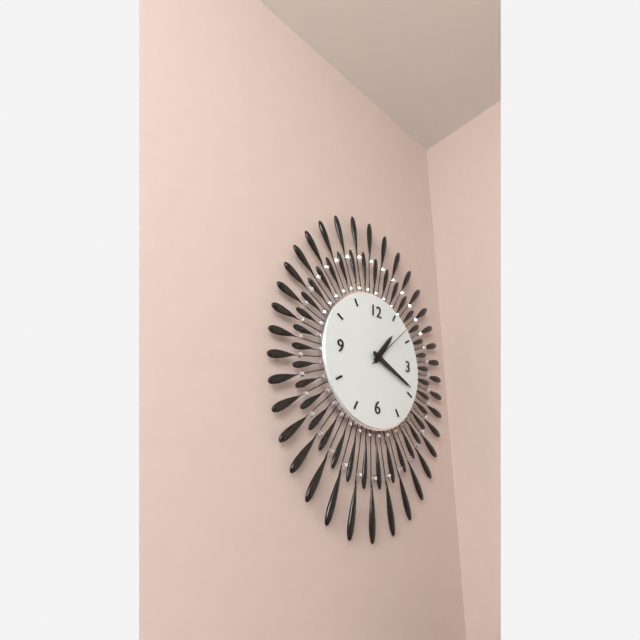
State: 1:19:08
